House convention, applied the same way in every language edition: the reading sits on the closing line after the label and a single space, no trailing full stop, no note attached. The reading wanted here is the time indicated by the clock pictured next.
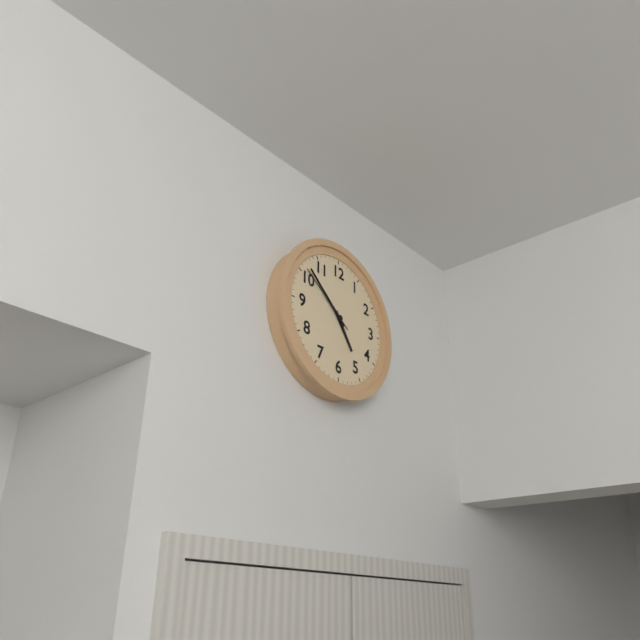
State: 4:52:51
